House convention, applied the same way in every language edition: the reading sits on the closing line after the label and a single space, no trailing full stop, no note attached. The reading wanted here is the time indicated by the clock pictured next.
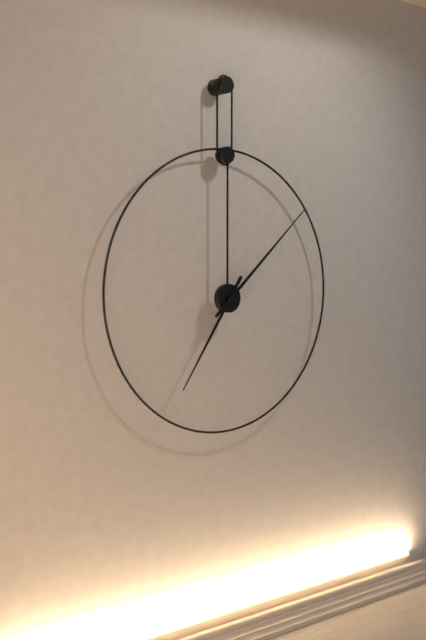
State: 7:08
